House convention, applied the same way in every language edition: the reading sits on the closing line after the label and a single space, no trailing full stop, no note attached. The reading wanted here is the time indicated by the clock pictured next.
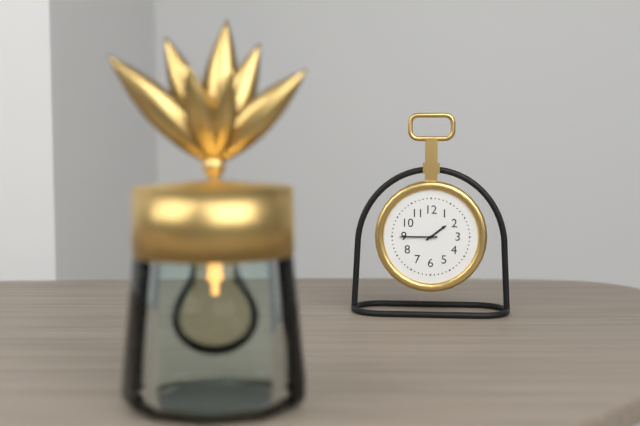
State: 1:45
